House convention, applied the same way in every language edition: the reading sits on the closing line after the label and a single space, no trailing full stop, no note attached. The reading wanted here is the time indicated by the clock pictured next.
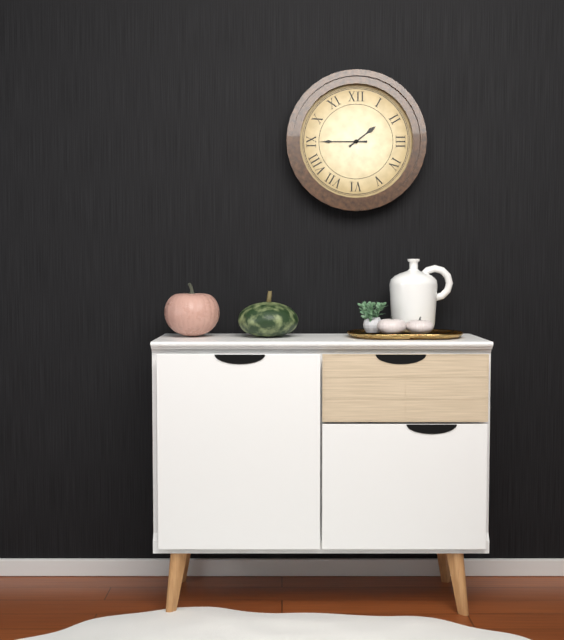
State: 1:45
